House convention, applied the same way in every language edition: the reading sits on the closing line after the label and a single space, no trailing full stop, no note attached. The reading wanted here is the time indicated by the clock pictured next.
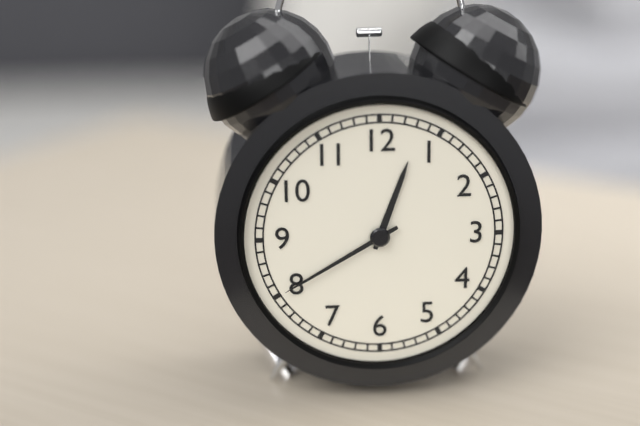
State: 12:40
